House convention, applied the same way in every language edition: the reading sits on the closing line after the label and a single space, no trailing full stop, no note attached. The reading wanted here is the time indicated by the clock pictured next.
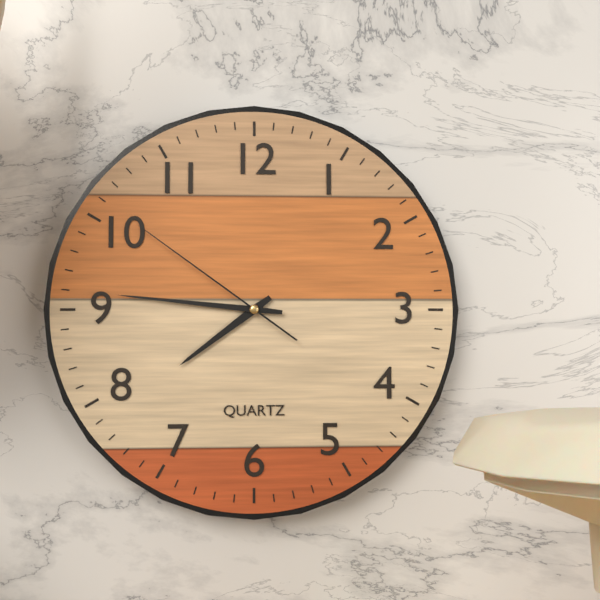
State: 7:46:51
